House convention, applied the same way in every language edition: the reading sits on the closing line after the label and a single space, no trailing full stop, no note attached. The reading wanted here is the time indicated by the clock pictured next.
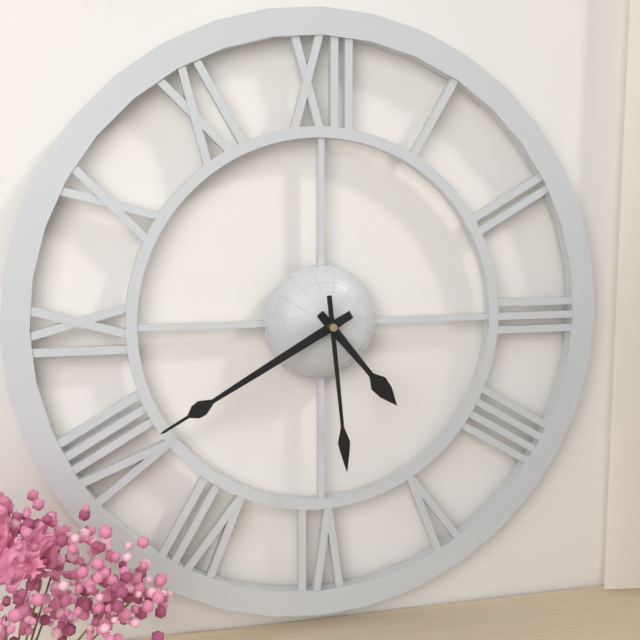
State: 4:40:29
